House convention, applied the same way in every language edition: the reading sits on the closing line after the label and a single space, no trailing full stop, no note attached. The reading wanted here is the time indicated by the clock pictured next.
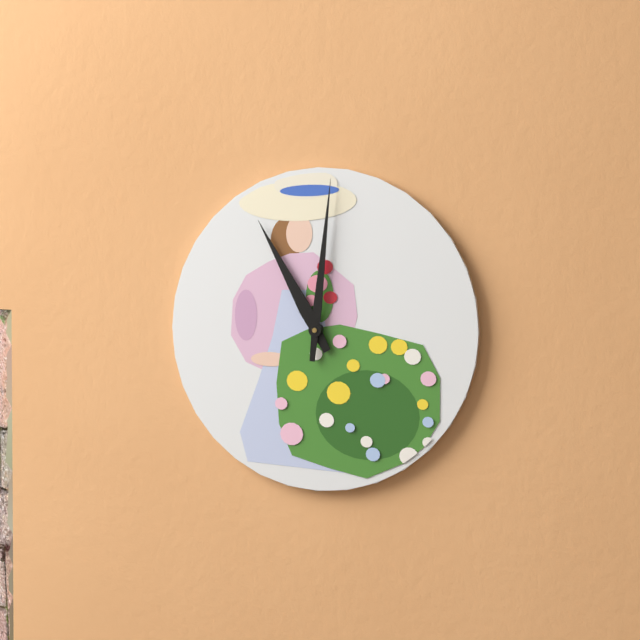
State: 11:01
